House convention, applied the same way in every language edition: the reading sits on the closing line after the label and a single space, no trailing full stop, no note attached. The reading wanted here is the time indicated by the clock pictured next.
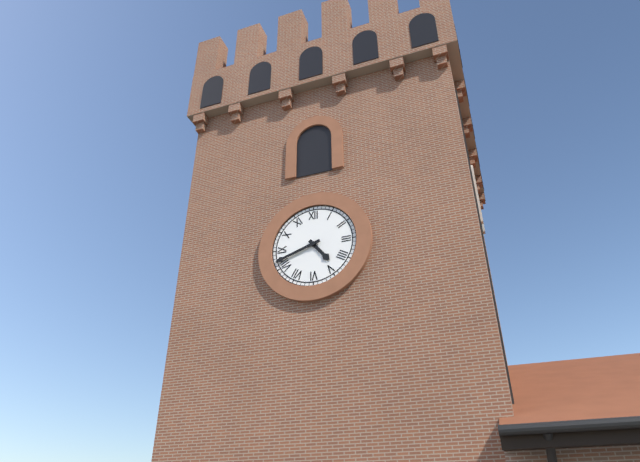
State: 4:42
